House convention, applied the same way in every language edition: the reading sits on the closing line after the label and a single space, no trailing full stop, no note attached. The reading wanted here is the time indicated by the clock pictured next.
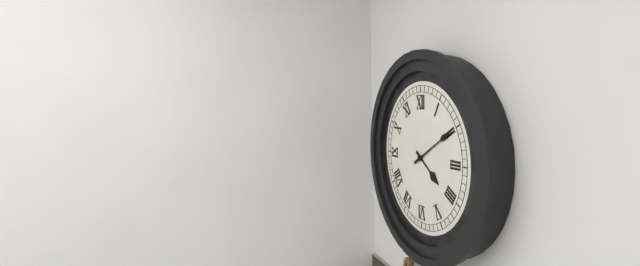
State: 4:10
